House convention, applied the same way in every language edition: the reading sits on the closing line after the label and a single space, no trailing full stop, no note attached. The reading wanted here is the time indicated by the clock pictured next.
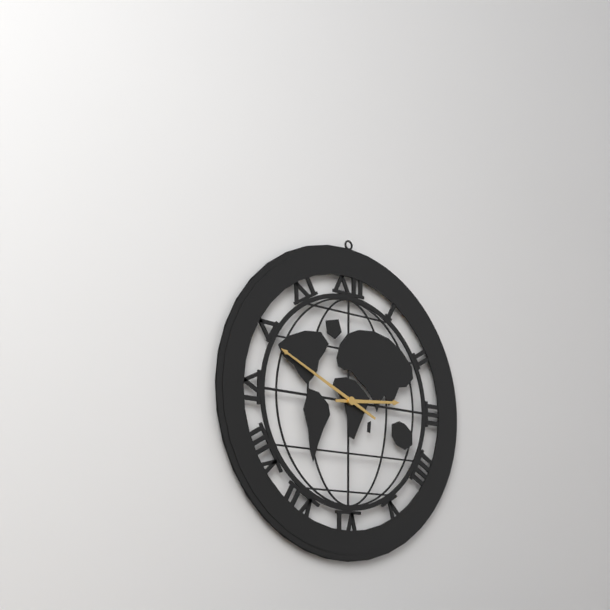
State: 2:49
